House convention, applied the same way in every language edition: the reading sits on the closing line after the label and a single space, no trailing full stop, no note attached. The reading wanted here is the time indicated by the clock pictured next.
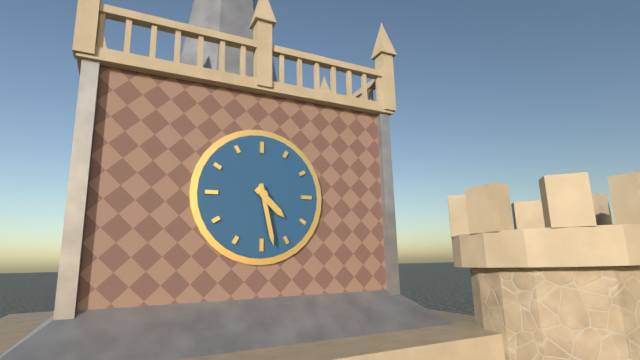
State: 4:28
